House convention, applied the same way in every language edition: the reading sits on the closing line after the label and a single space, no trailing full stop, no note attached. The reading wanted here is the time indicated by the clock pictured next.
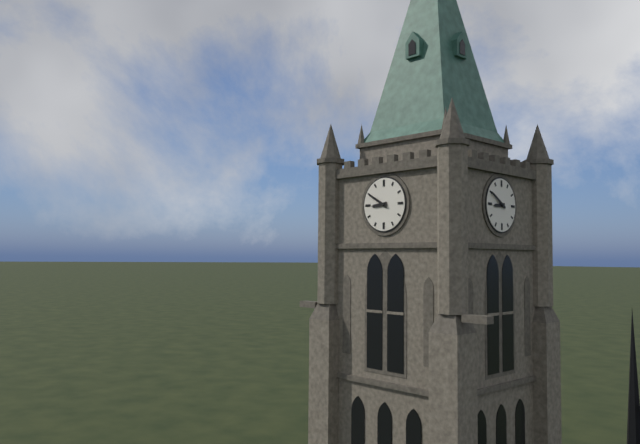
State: 8:50
